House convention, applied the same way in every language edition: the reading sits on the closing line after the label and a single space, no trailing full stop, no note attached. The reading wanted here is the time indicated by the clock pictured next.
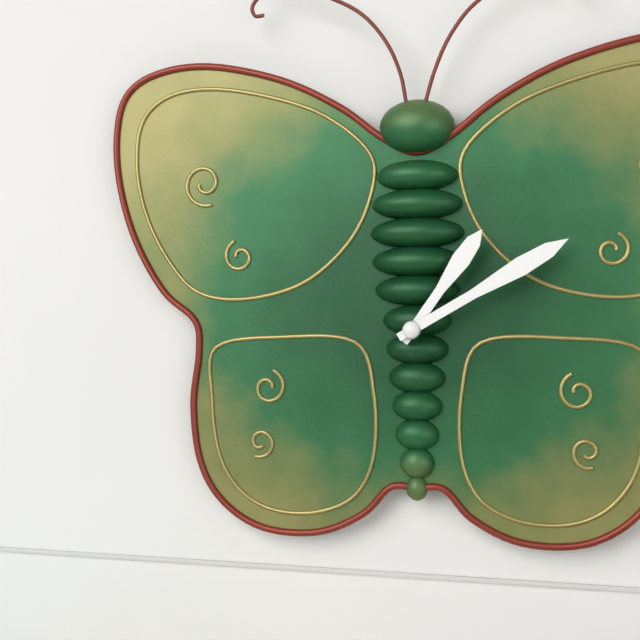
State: 1:10
